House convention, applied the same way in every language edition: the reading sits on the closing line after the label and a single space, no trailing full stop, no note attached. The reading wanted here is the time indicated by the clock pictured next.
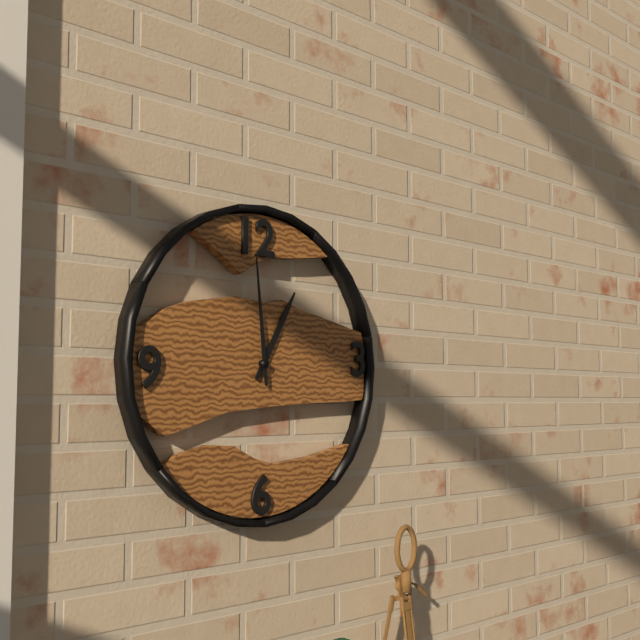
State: 12:59
